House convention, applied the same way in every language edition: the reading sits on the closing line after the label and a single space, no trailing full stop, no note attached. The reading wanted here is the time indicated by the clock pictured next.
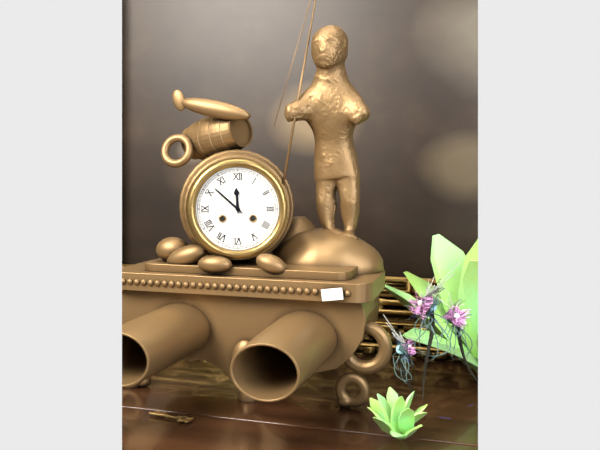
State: 11:52
